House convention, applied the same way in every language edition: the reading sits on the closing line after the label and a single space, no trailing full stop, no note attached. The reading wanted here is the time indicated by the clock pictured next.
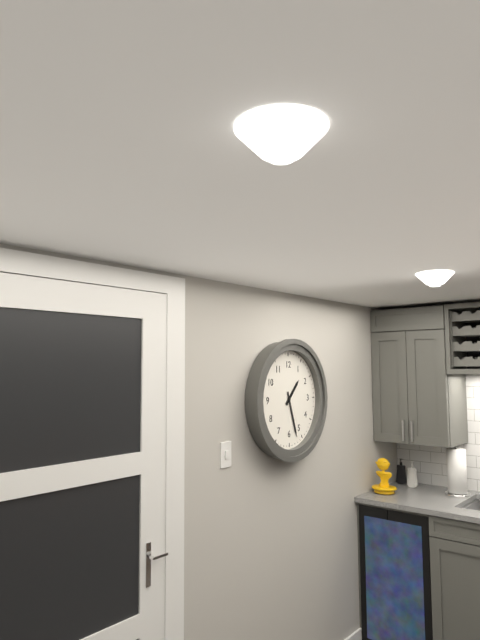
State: 1:27
